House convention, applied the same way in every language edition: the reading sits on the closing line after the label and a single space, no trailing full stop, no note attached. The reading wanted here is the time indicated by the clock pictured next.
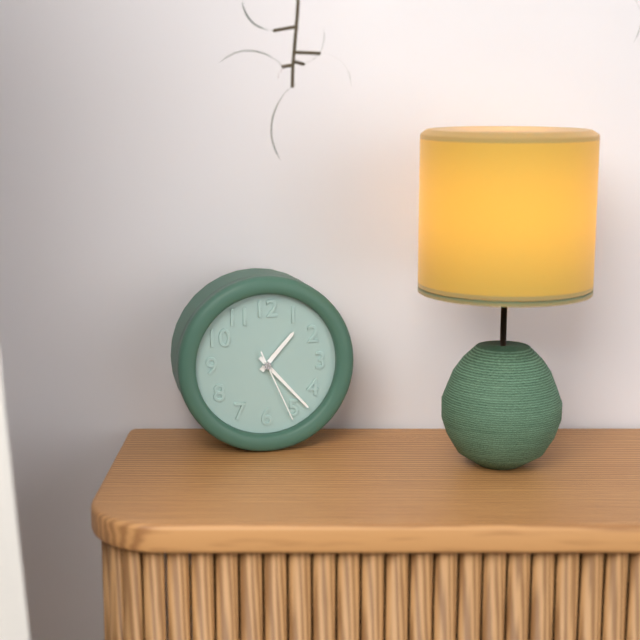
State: 1:23:26
